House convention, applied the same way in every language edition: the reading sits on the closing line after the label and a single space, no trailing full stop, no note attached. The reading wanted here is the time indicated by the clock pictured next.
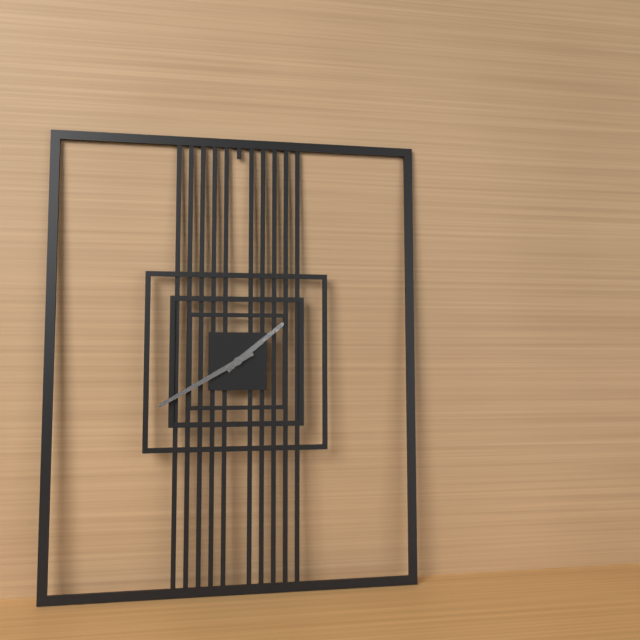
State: 1:40
